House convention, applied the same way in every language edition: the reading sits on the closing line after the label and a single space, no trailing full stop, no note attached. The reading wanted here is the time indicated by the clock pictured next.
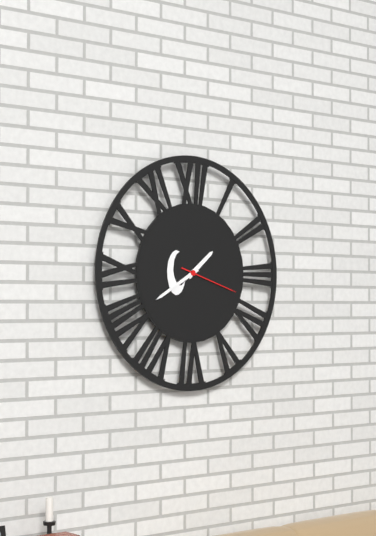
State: 1:40:18
